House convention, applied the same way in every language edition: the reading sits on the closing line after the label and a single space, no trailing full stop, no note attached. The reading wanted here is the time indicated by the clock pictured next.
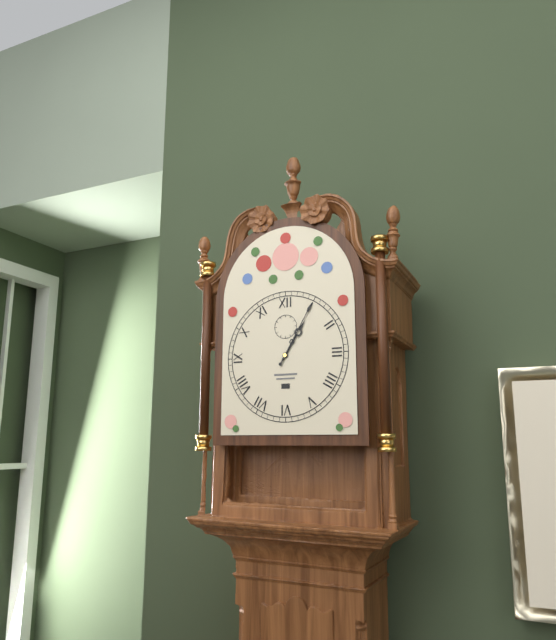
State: 1:05
